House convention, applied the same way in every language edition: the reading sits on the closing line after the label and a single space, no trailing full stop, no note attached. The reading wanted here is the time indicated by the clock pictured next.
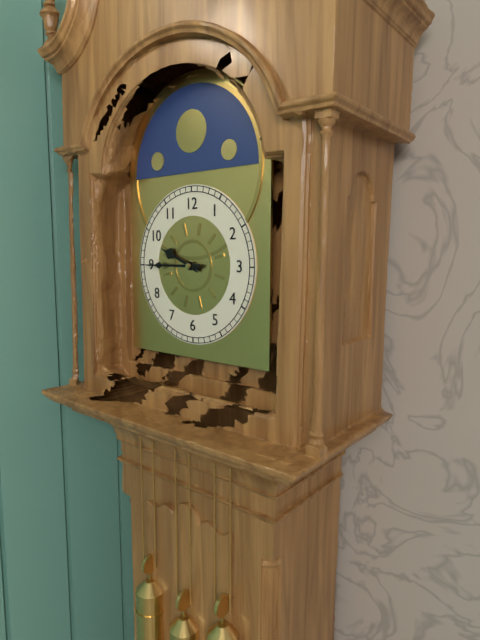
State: 9:45
